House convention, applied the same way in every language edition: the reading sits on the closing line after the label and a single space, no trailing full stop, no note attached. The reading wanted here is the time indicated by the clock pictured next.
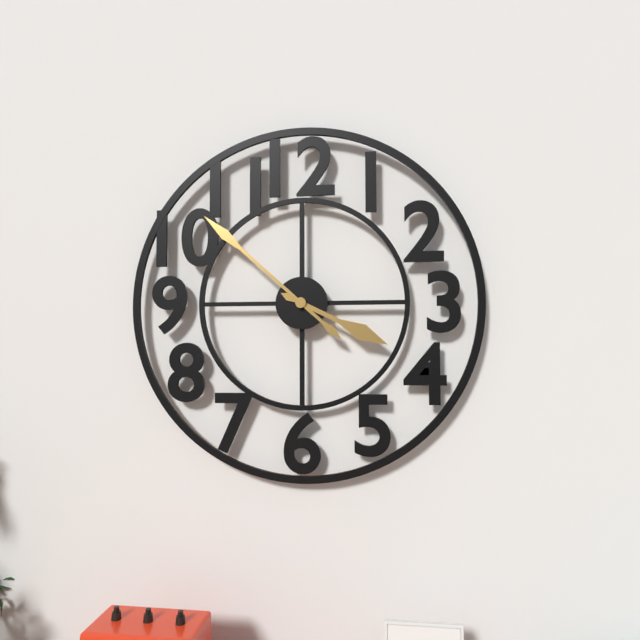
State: 3:52
